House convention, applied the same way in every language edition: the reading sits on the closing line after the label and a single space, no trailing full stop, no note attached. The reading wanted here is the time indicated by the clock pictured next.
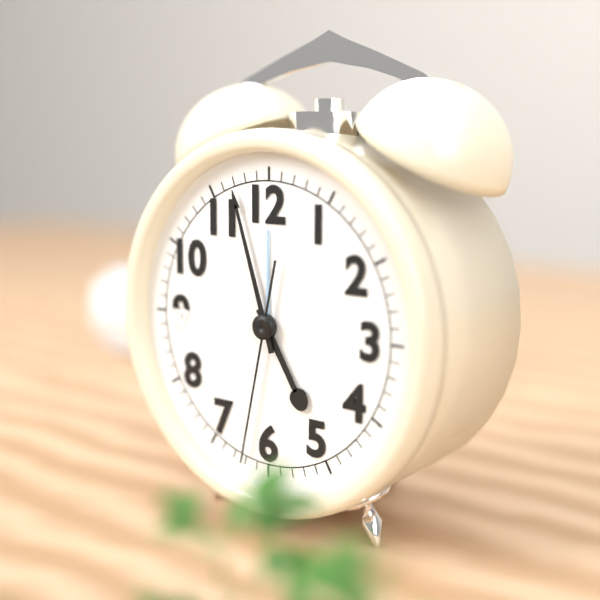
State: 4:57:32
